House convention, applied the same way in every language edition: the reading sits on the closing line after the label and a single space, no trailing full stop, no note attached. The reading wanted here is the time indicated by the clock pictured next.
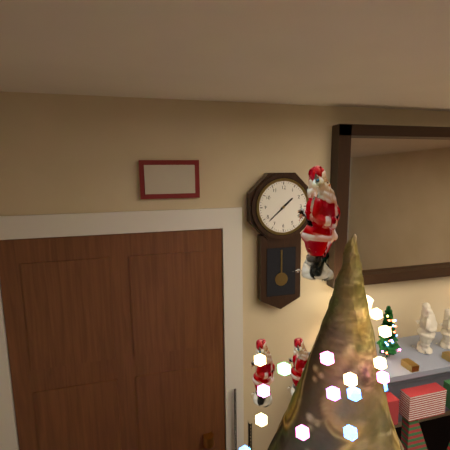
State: 1:38
